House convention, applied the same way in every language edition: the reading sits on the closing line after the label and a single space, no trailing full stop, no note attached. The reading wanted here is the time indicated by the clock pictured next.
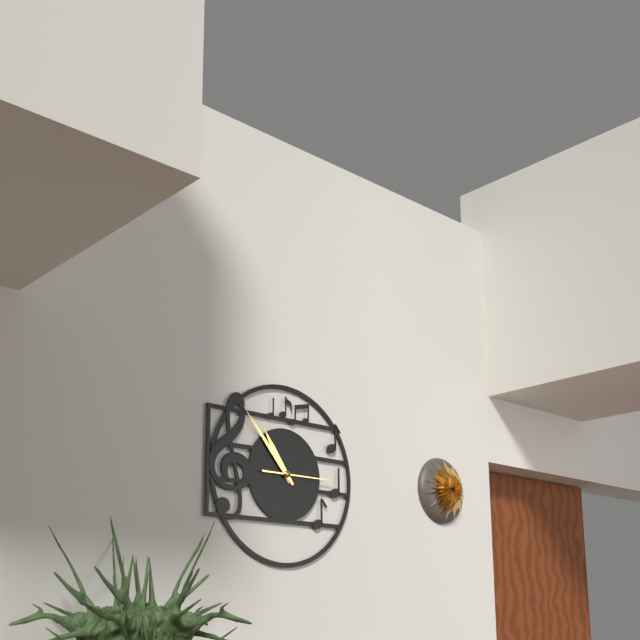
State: 10:53:15
